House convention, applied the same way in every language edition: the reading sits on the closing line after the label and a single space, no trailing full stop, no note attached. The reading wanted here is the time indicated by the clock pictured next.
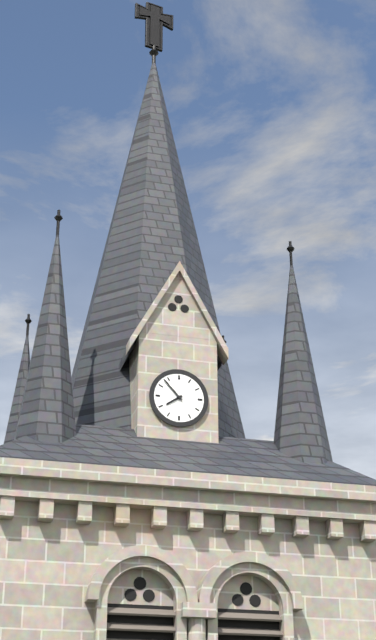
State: 7:53
